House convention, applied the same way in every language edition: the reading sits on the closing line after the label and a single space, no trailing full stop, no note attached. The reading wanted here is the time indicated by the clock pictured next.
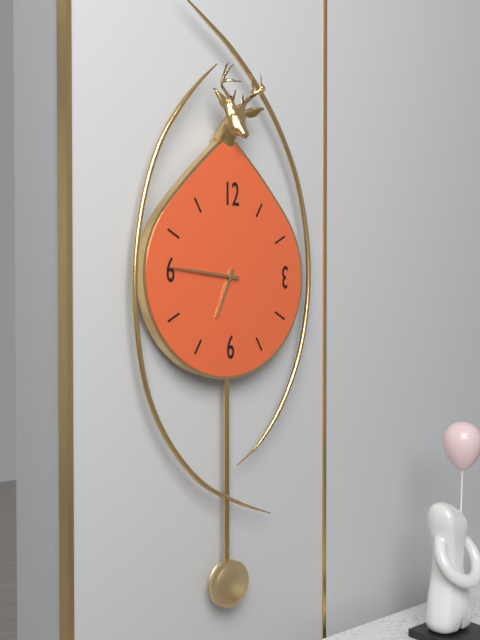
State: 6:46
